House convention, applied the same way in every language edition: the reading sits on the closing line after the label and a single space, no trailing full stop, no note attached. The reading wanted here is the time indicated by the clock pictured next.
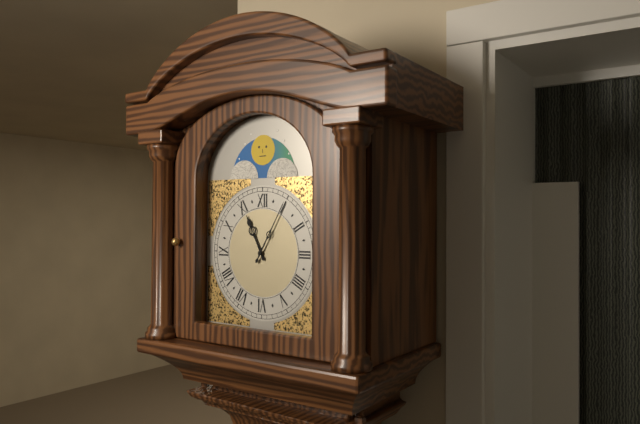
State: 11:05
